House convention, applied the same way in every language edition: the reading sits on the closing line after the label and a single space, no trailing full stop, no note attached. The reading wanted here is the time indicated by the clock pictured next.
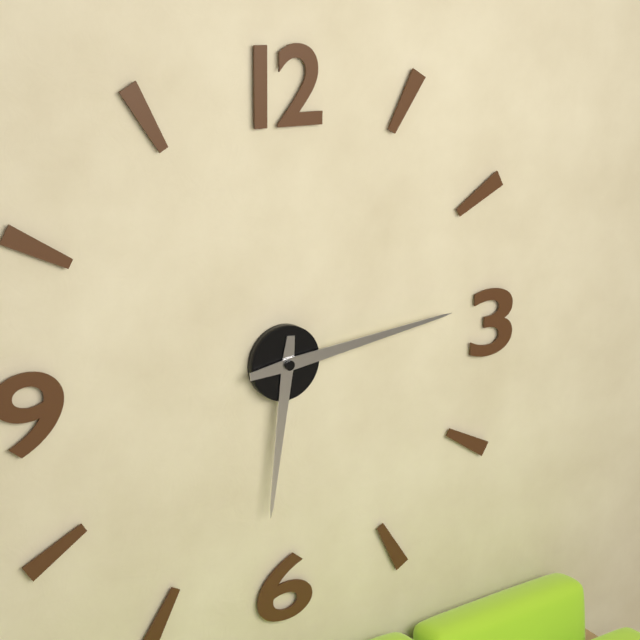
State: 6:14
